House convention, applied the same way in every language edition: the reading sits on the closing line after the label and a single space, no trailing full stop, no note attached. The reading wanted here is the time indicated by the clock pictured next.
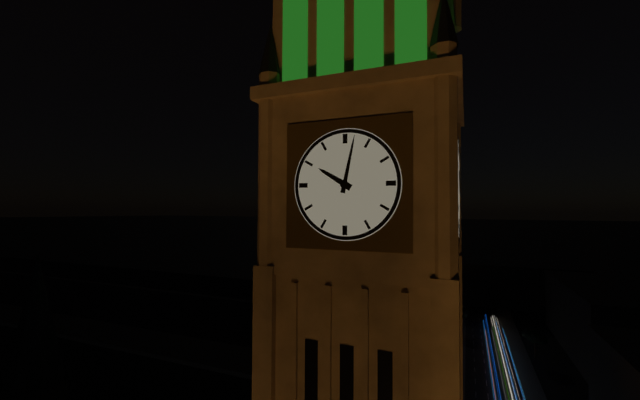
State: 10:02
